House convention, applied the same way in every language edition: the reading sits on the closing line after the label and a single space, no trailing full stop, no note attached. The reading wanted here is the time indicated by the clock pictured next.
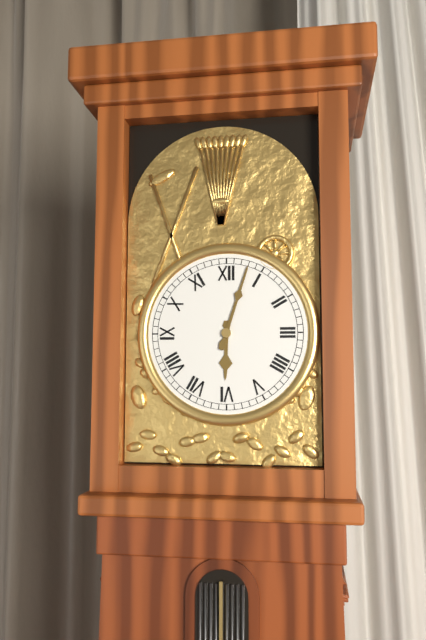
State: 6:03
